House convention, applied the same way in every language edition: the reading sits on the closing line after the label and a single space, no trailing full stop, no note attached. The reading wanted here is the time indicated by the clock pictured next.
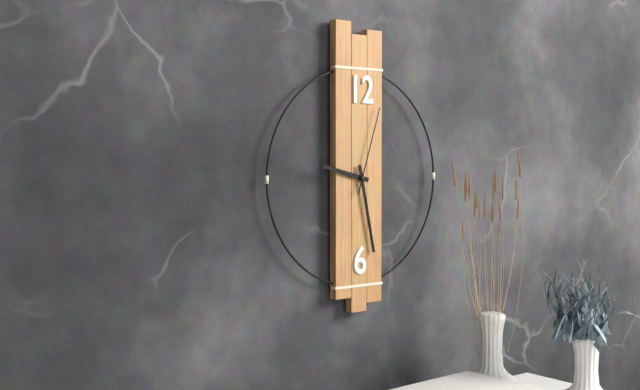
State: 9:28:03
